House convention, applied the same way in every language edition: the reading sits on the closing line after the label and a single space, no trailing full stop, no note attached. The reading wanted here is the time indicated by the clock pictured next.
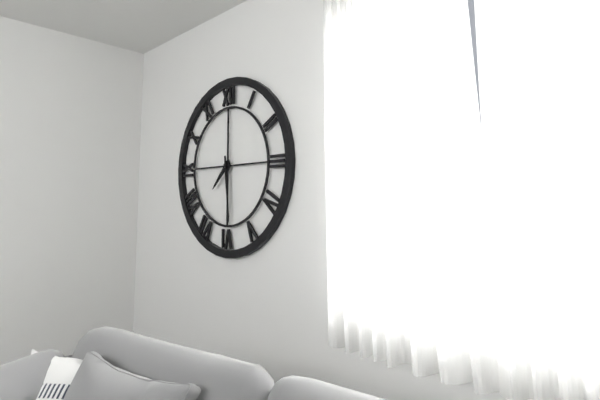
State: 7:29
